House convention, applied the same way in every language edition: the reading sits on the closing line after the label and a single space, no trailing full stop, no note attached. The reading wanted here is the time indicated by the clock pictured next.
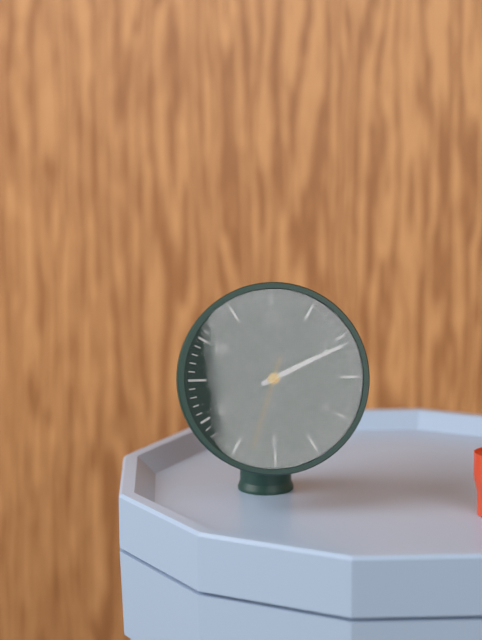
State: 2:11:33
